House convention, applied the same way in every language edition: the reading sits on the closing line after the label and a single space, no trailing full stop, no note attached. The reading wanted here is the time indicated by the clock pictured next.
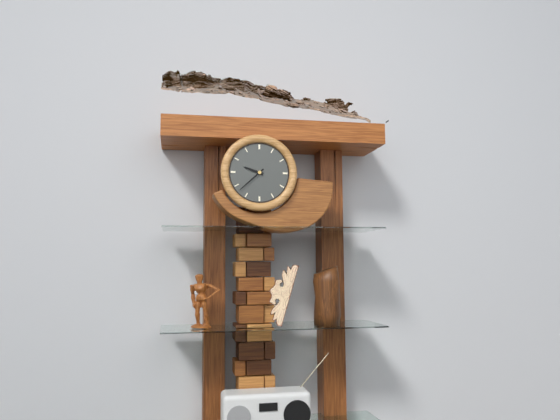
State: 9:38
